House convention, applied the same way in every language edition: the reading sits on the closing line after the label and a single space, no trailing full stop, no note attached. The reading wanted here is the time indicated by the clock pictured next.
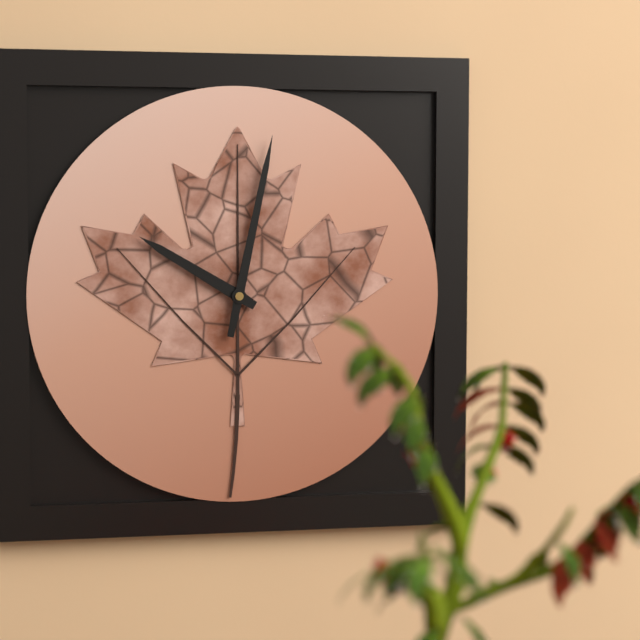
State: 10:02
